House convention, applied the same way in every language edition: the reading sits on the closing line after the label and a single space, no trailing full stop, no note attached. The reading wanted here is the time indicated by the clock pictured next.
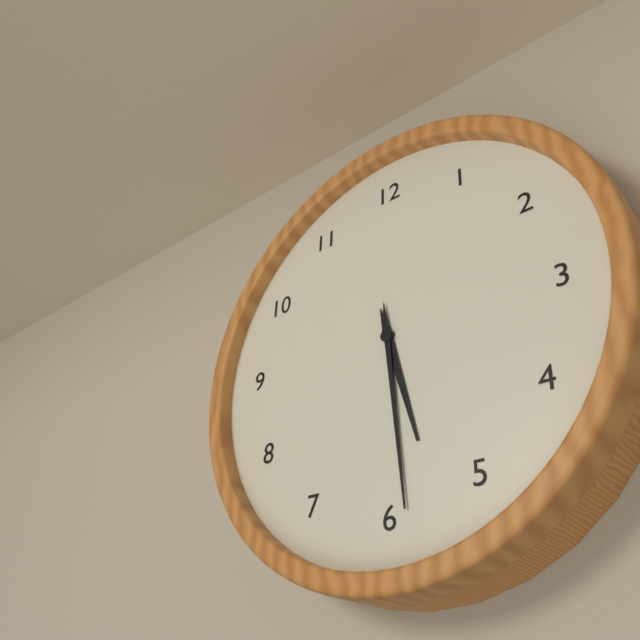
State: 5:29
